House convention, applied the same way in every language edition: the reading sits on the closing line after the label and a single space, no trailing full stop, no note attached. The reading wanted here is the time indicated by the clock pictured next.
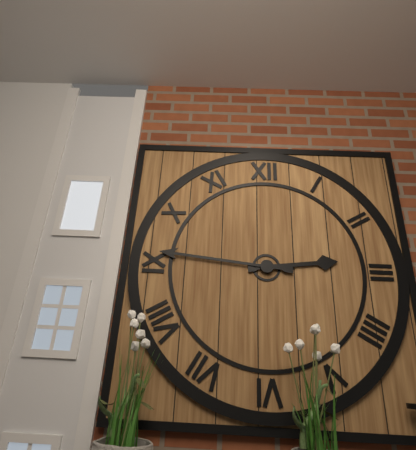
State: 2:46
